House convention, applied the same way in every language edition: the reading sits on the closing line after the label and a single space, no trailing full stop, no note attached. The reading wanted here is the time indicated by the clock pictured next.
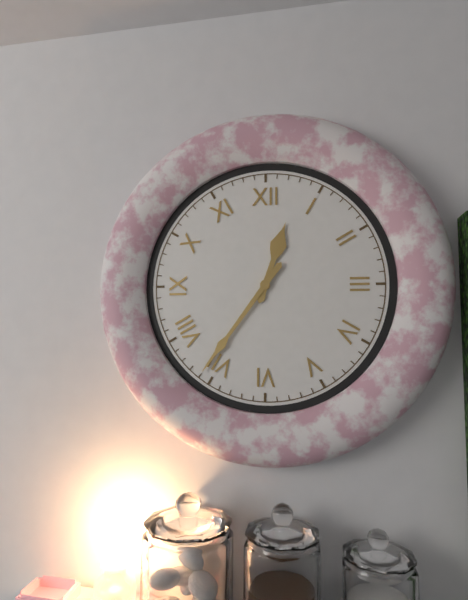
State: 12:36
